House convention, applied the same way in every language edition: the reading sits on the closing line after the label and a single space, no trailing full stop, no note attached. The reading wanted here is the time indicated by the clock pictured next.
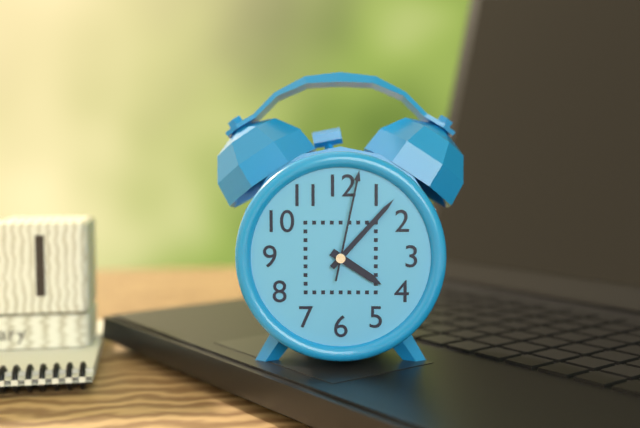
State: 4:07:02
